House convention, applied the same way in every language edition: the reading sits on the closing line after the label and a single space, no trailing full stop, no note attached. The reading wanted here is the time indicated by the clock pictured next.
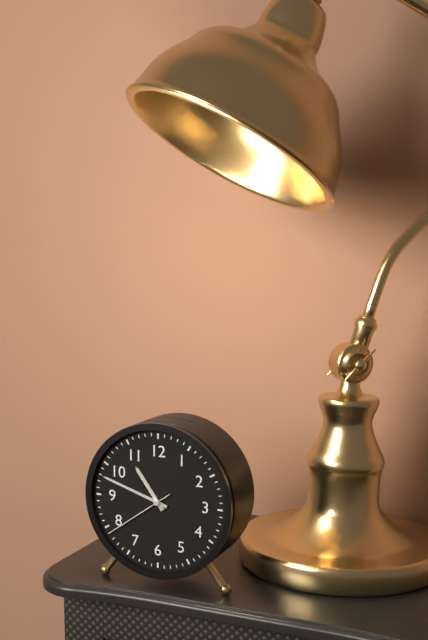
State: 10:48:39
